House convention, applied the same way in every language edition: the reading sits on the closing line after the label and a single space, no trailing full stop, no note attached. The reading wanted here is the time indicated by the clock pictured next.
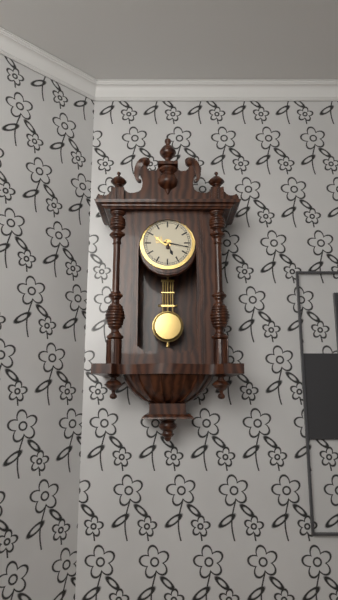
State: 5:17
